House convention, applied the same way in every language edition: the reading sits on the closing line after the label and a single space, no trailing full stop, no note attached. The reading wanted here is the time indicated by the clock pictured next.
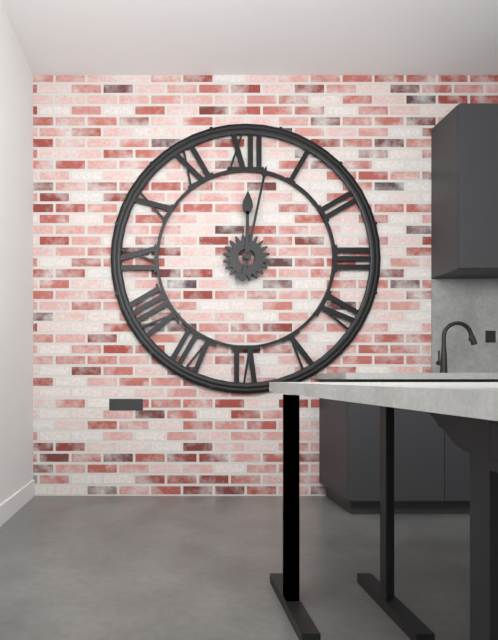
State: 12:02
